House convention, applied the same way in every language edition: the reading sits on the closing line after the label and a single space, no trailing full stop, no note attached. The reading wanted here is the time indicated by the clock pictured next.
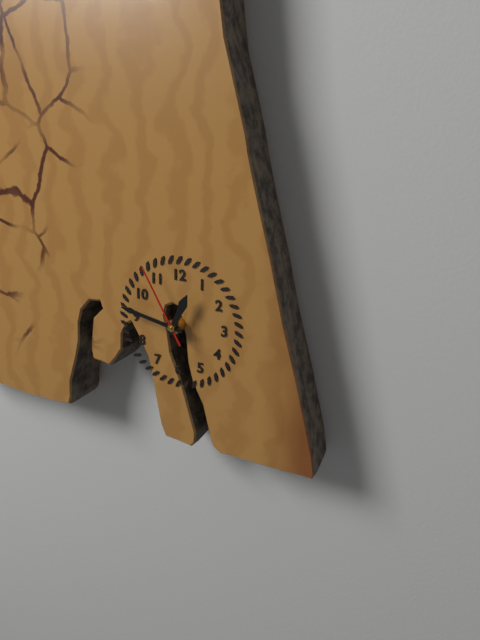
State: 12:47:55
